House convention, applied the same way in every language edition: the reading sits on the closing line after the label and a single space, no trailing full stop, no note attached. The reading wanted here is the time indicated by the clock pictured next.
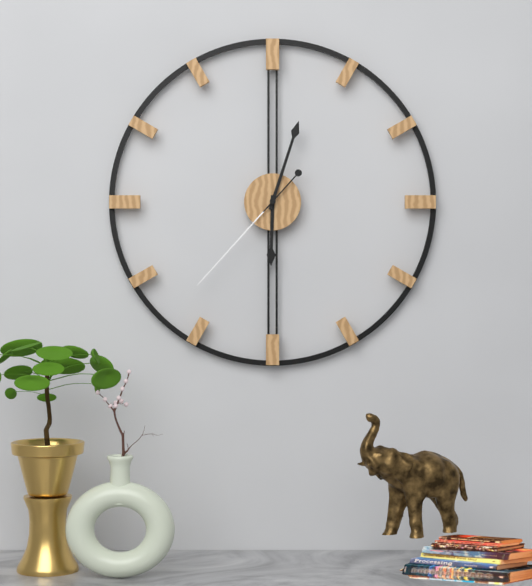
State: 6:03:37
